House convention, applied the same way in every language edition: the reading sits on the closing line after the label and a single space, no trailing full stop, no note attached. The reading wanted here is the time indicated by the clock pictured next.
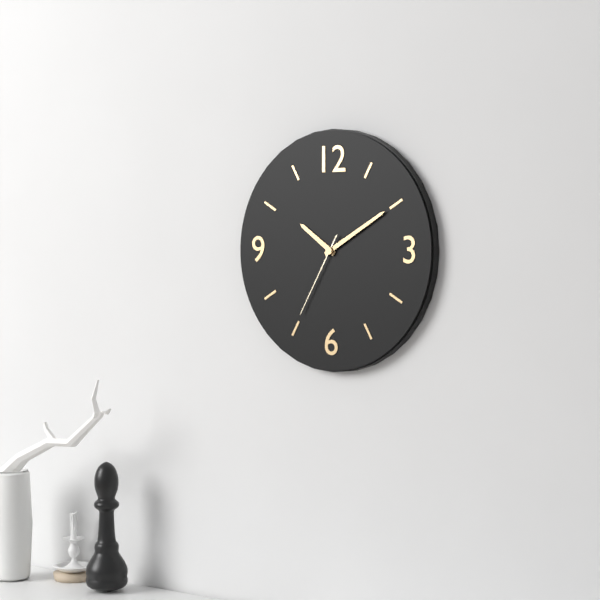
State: 10:10:35
